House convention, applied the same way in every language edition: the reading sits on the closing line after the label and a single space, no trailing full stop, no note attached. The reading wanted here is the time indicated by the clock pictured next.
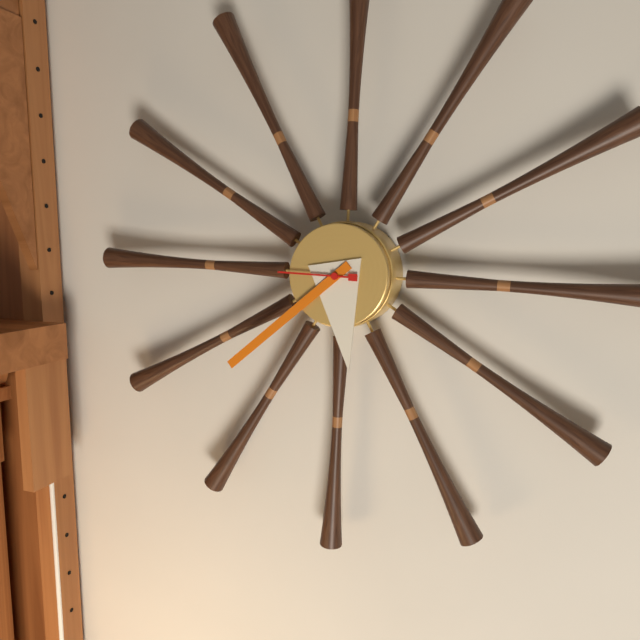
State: 5:38:45
